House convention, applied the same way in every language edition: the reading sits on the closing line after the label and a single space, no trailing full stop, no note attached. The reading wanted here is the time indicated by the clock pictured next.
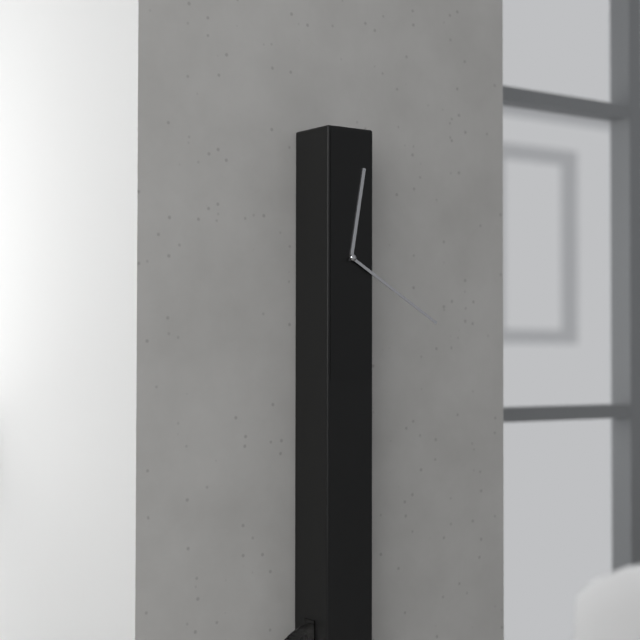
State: 12:20
